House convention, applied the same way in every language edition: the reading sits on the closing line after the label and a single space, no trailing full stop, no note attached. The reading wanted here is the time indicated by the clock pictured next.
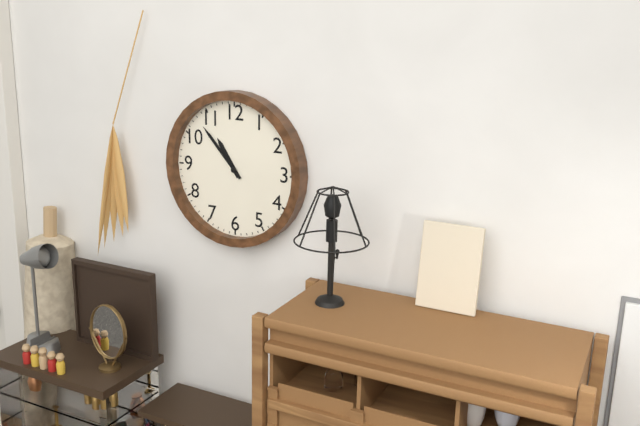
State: 10:53
